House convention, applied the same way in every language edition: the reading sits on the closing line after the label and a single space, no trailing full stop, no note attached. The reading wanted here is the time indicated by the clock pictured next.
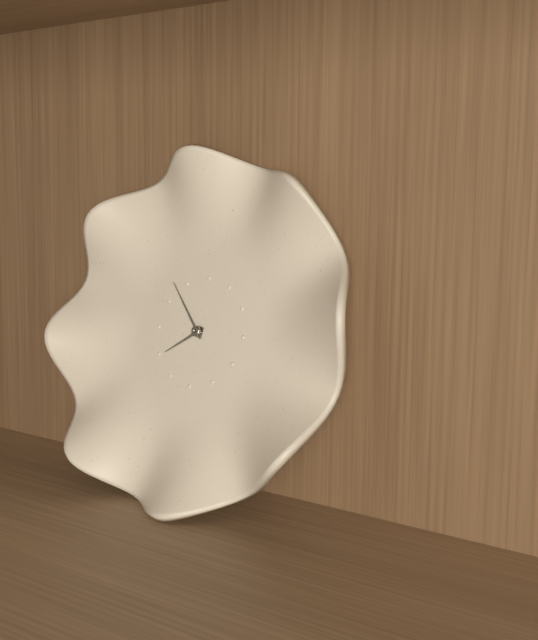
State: 7:53
